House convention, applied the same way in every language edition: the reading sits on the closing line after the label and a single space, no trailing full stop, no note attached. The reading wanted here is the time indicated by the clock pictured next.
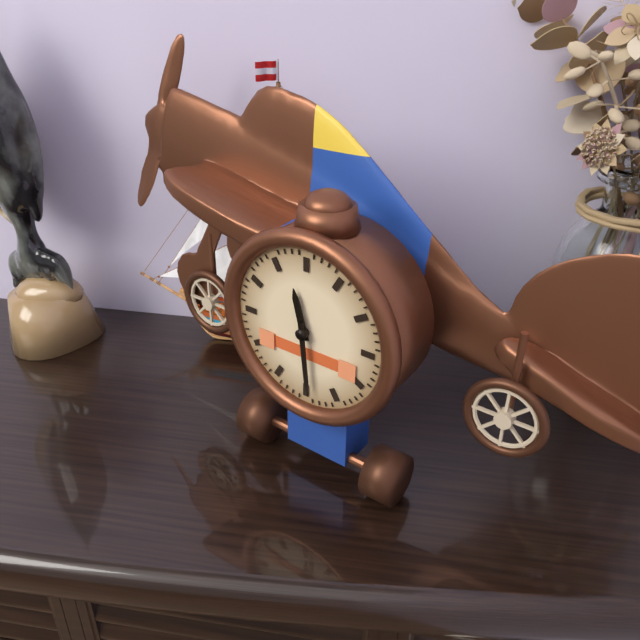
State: 11:29
